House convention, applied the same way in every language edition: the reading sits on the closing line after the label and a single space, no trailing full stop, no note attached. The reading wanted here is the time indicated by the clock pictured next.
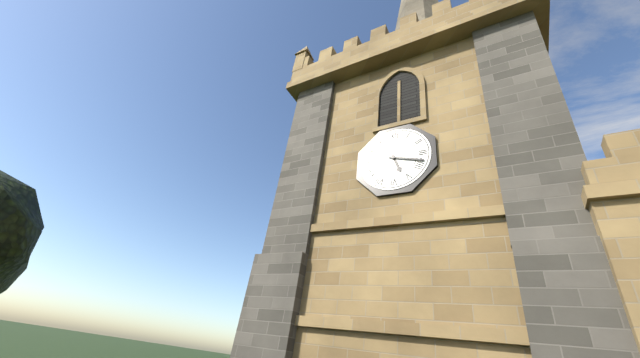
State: 5:18
